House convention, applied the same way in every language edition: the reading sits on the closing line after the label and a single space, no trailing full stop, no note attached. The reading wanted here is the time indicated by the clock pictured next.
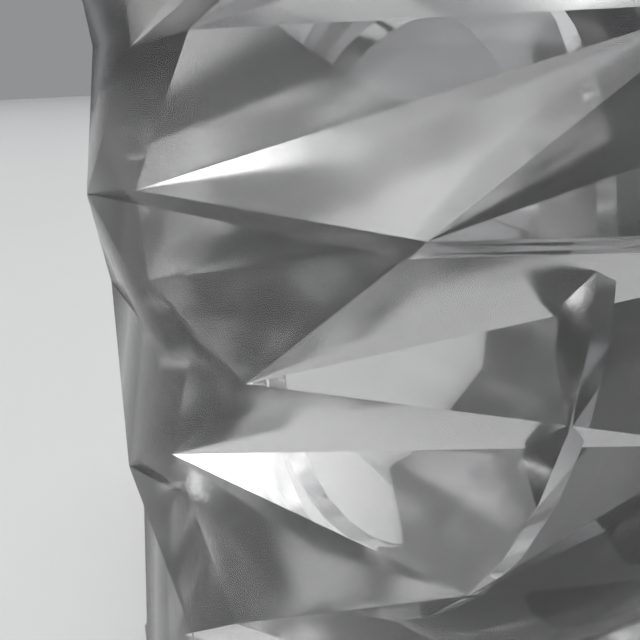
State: 1:16:39
